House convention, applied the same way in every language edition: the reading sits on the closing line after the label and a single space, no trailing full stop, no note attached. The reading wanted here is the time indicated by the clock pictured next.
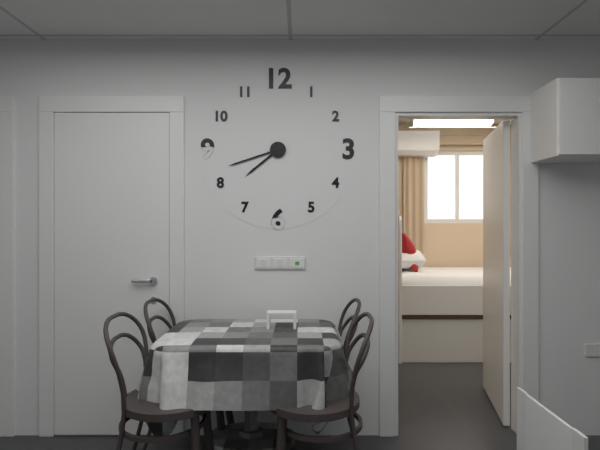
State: 7:42
